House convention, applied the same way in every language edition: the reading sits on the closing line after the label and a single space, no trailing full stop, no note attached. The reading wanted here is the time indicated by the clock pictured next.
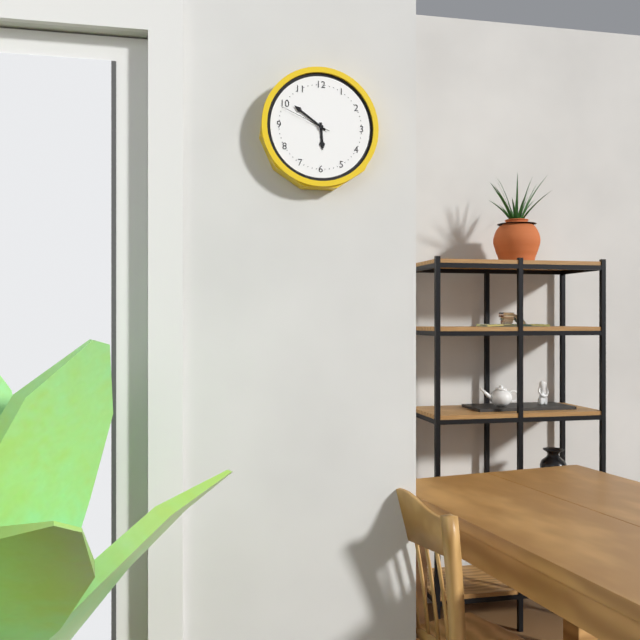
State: 5:51:49
